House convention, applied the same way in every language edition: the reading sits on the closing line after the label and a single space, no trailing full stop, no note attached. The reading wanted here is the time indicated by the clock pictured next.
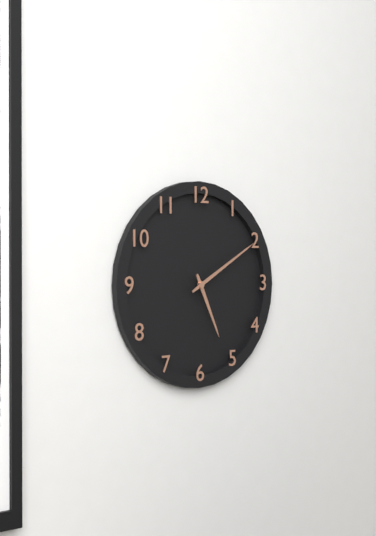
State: 5:10
